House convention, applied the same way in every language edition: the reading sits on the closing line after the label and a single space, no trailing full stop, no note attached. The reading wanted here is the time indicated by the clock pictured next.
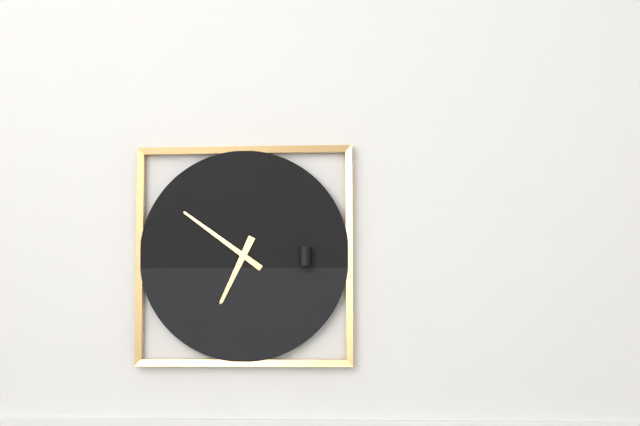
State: 6:51
